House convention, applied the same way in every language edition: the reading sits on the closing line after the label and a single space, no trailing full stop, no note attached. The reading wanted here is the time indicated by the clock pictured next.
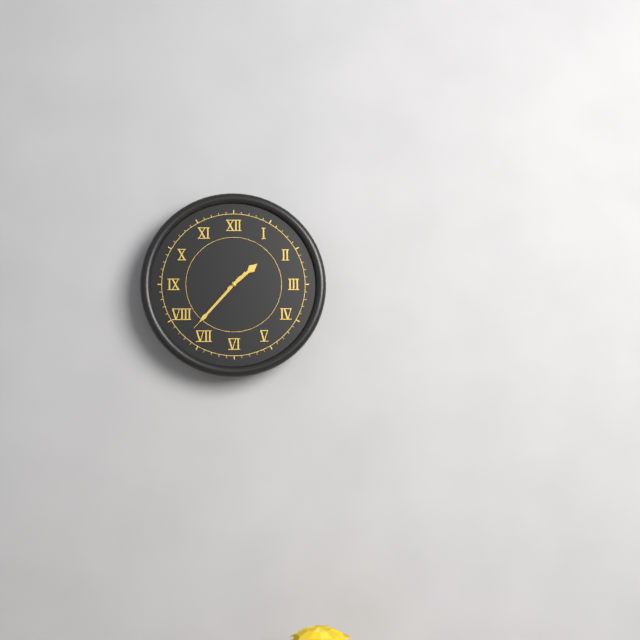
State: 1:37:37
